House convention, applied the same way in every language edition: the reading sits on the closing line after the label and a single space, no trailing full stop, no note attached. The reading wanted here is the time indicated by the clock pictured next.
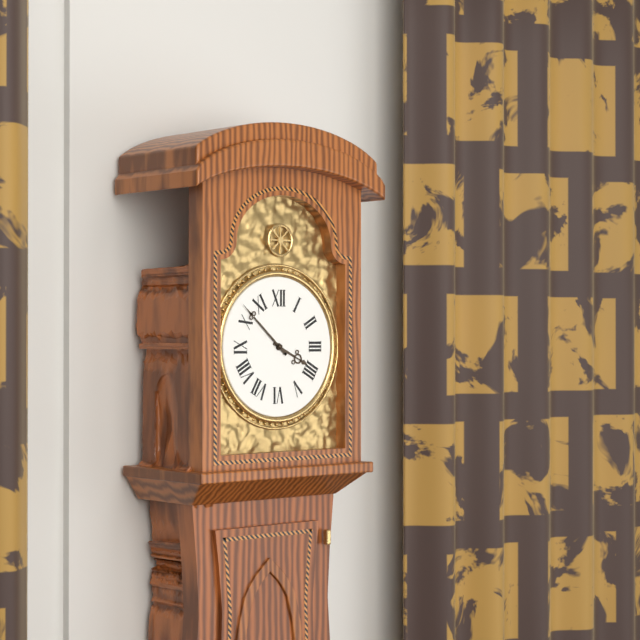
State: 3:52
